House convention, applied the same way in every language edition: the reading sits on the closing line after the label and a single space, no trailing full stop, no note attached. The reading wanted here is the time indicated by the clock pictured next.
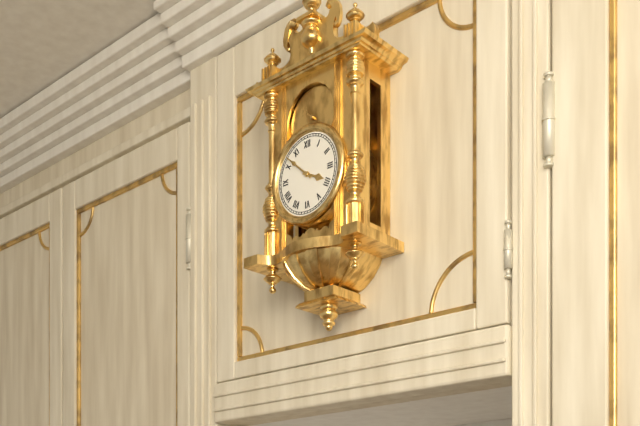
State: 3:52
